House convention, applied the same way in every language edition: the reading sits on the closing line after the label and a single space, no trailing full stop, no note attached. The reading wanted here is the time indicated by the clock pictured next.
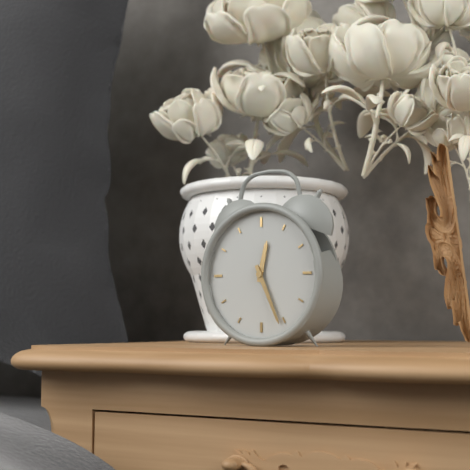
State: 12:26
